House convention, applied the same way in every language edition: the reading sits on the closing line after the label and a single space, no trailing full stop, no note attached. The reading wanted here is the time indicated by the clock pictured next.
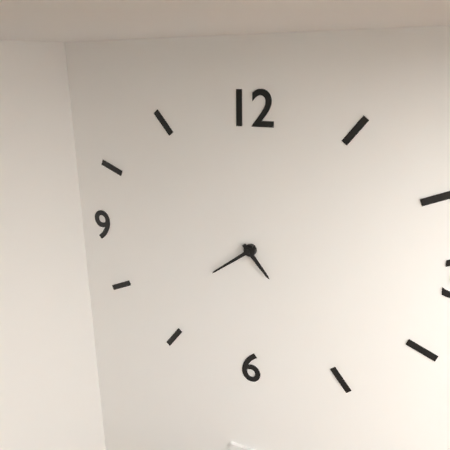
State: 4:39
